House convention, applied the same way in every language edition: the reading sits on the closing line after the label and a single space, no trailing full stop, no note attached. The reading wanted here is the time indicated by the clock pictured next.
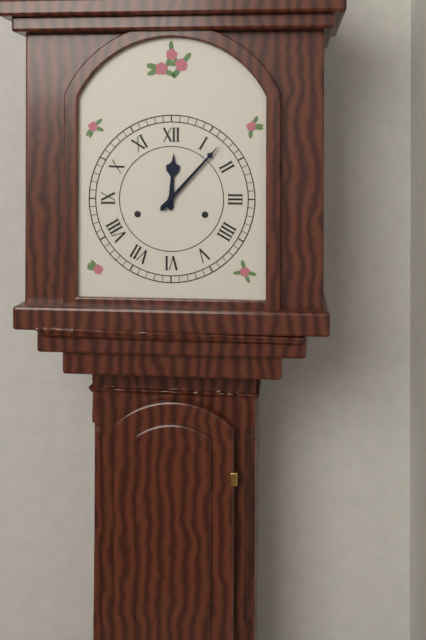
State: 12:07
